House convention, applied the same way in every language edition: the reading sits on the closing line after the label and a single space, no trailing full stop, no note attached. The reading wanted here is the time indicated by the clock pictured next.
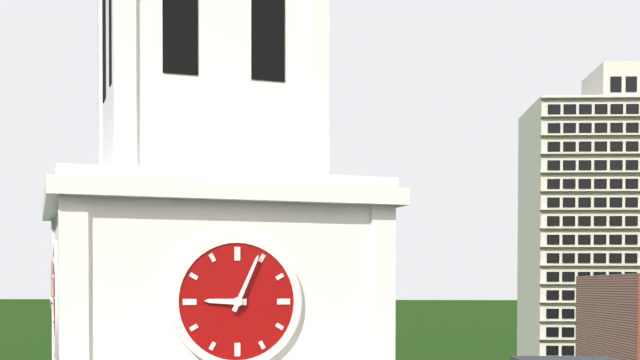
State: 9:04
